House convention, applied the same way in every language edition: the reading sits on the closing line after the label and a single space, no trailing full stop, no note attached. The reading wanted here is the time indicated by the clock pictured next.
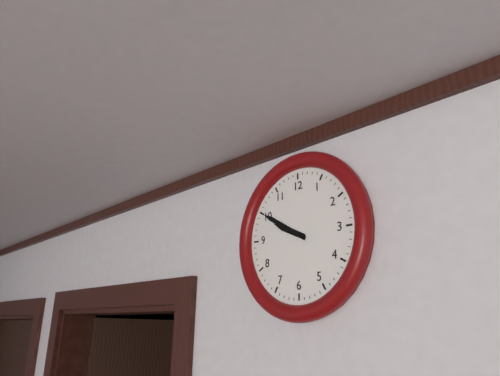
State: 9:50
